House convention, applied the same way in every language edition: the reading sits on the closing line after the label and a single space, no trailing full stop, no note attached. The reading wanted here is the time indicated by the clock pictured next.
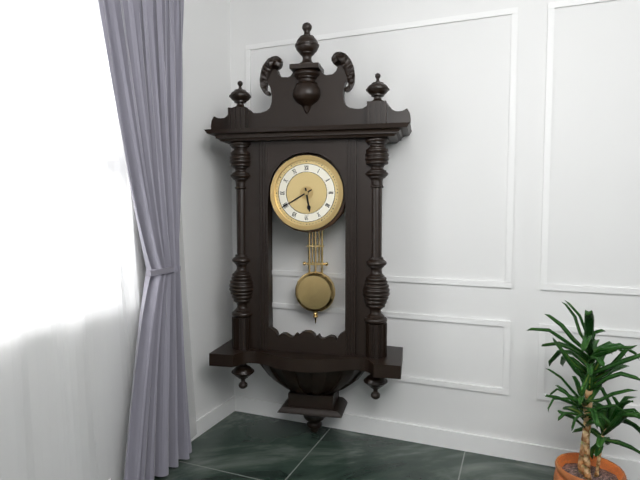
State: 5:40
